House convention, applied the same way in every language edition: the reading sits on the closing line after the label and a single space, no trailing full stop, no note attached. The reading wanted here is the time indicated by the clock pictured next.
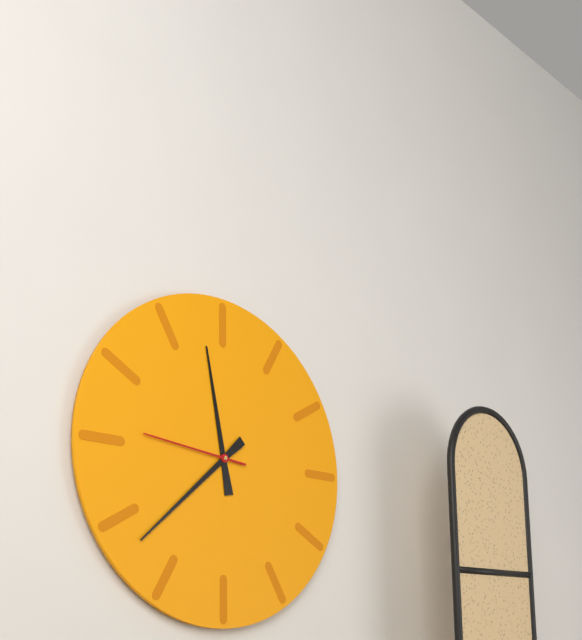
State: 11:38:46
